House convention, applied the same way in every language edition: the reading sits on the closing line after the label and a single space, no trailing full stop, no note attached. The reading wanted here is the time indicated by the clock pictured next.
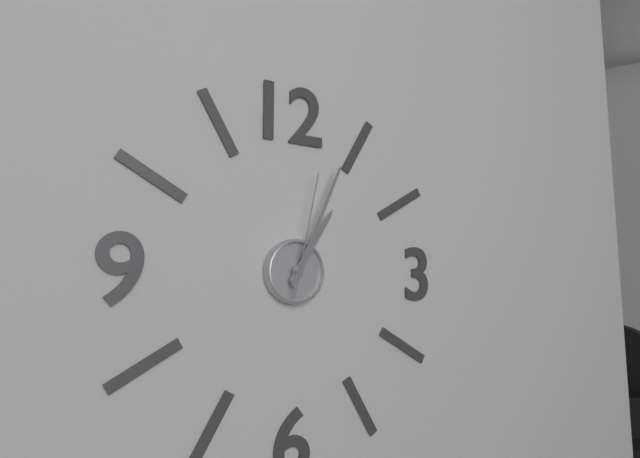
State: 1:04:02
